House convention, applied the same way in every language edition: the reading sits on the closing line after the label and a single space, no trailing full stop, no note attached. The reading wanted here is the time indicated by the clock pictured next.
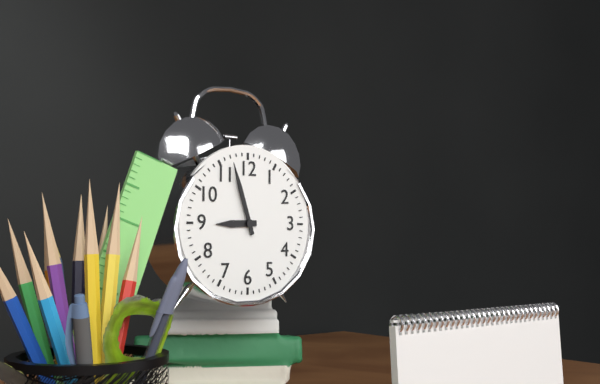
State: 8:57
